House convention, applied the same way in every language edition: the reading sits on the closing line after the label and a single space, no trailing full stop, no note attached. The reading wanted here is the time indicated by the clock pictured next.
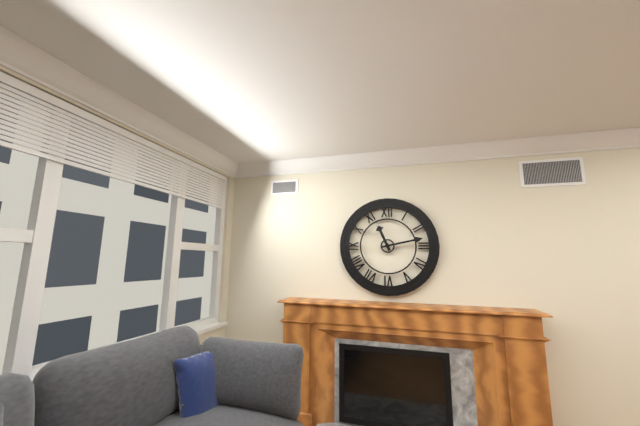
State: 11:13
